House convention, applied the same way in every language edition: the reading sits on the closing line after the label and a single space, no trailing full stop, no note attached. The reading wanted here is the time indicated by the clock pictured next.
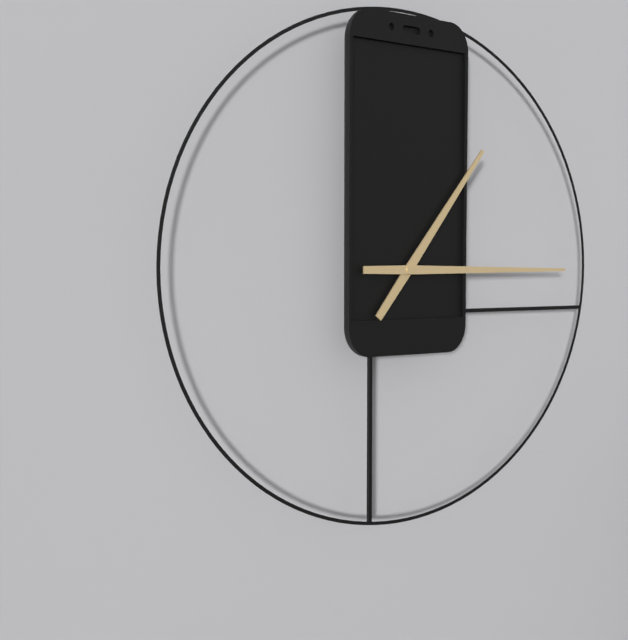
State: 1:15
